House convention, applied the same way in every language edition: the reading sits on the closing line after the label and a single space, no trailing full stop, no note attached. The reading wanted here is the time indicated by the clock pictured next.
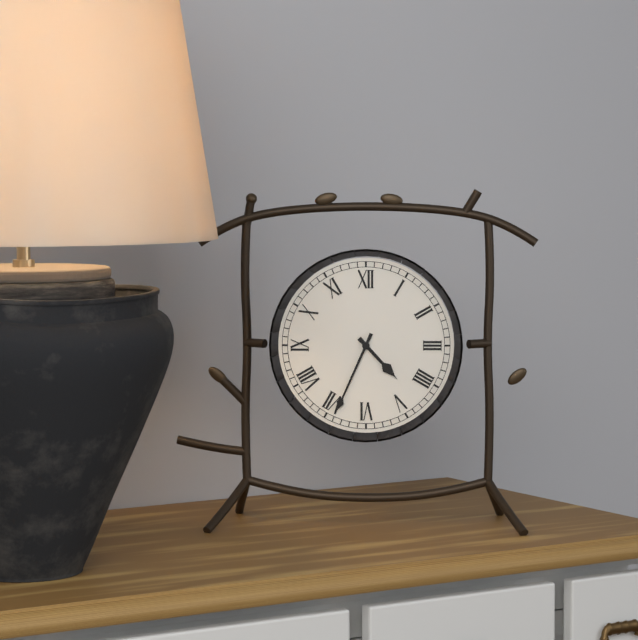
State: 4:34
